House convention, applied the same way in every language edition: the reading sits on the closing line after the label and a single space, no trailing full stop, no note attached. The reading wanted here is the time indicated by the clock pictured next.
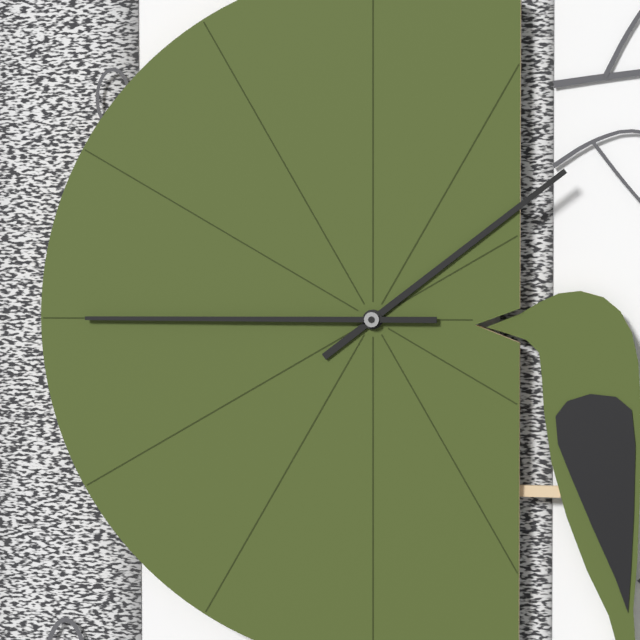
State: 1:45
